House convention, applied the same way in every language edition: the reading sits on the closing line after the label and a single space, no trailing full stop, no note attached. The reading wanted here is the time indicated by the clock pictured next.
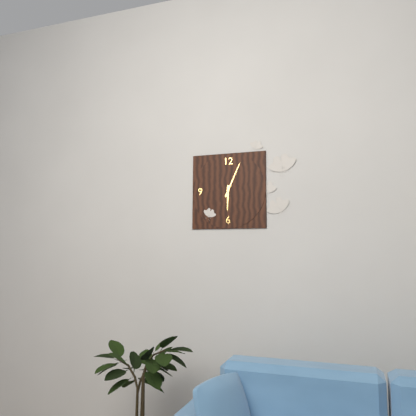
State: 6:04
